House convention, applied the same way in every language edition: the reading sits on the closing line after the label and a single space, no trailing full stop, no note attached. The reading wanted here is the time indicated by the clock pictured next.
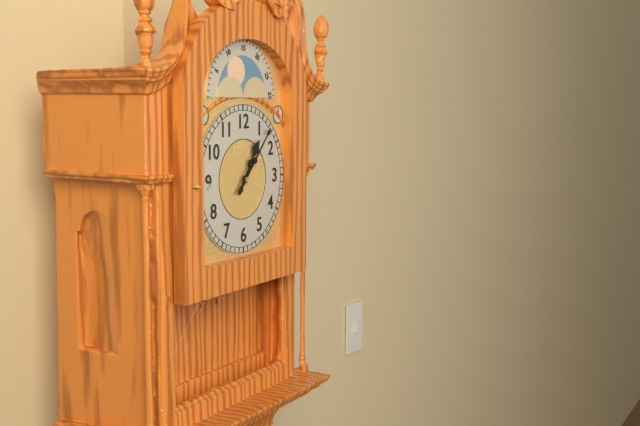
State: 1:07
